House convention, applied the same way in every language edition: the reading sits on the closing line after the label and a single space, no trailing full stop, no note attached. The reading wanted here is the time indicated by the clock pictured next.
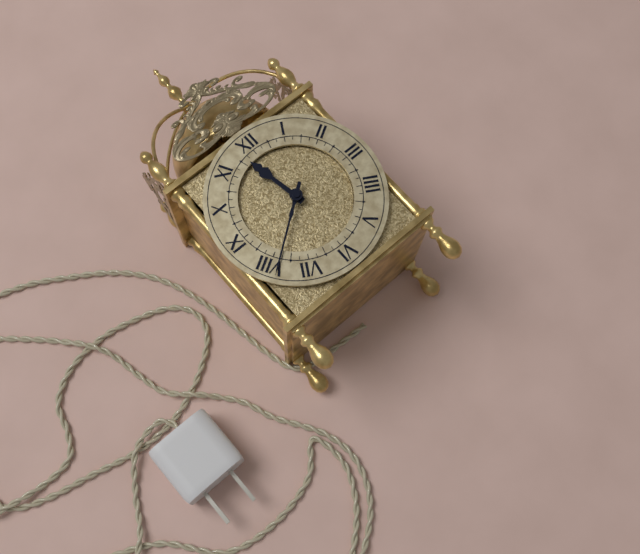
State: 11:39
